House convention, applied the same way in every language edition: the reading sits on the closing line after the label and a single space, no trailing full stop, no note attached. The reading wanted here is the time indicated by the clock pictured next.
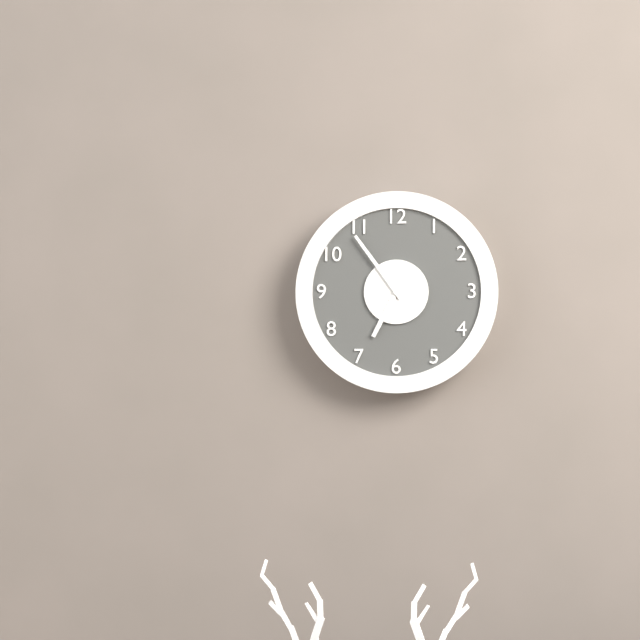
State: 6:54
